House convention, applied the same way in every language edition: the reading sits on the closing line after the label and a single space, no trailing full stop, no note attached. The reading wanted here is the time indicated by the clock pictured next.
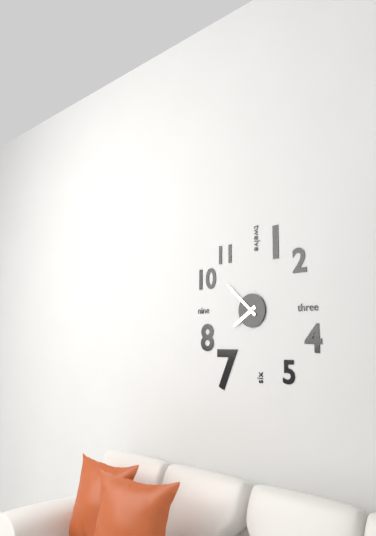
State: 7:52
